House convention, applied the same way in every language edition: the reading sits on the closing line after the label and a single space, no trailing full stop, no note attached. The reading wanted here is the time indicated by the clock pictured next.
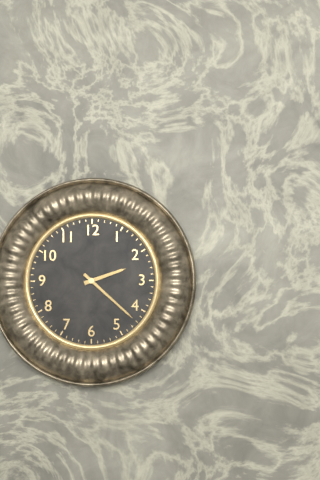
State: 2:22
